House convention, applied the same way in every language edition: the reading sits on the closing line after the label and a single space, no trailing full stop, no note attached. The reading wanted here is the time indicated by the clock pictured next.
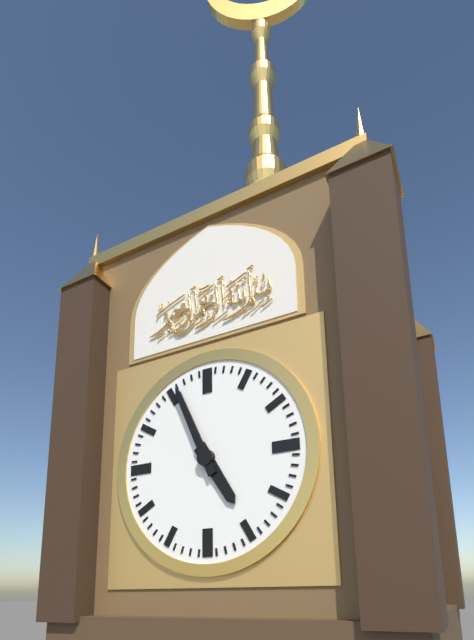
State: 4:56
